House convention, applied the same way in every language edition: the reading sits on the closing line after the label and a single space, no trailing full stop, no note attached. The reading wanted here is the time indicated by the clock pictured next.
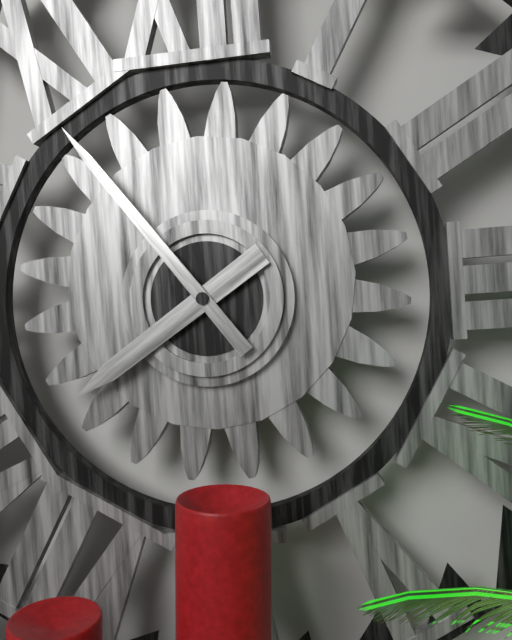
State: 7:54
